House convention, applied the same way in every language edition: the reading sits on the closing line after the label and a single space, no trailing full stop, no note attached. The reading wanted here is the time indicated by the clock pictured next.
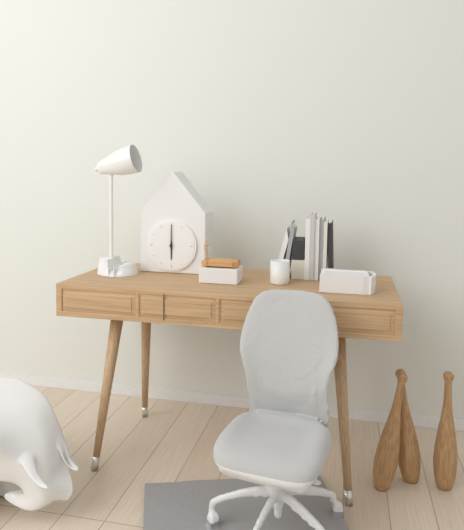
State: 6:00
